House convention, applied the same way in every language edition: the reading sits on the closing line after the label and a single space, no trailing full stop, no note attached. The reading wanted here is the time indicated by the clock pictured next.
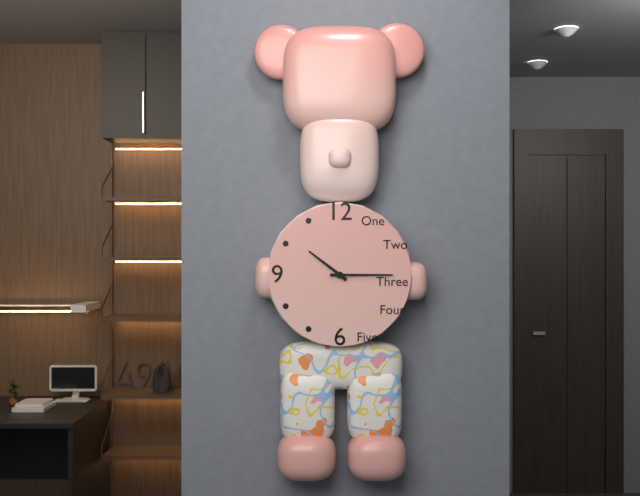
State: 10:15
